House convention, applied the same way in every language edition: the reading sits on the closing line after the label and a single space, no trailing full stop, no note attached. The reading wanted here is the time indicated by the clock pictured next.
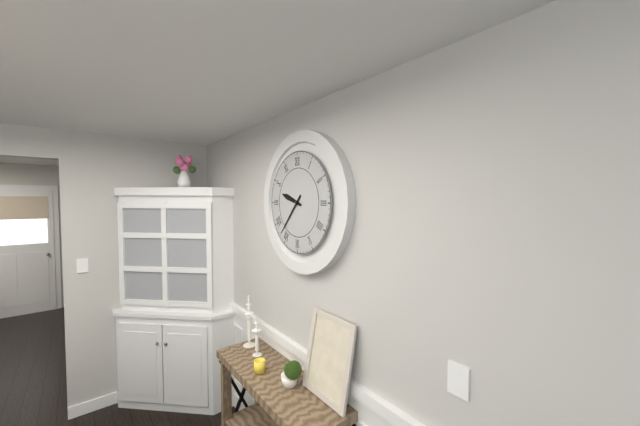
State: 9:37
